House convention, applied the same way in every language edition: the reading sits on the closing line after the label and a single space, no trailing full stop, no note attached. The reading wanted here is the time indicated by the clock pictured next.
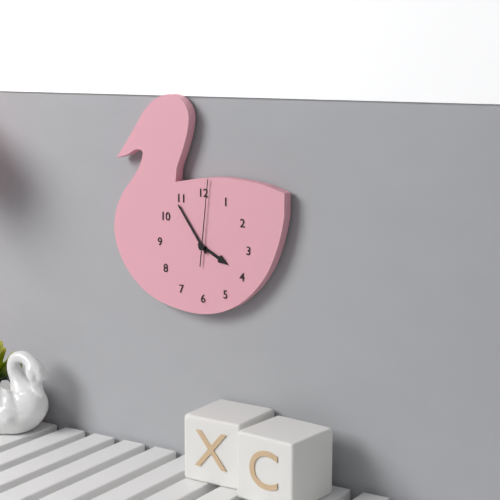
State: 3:54:01
